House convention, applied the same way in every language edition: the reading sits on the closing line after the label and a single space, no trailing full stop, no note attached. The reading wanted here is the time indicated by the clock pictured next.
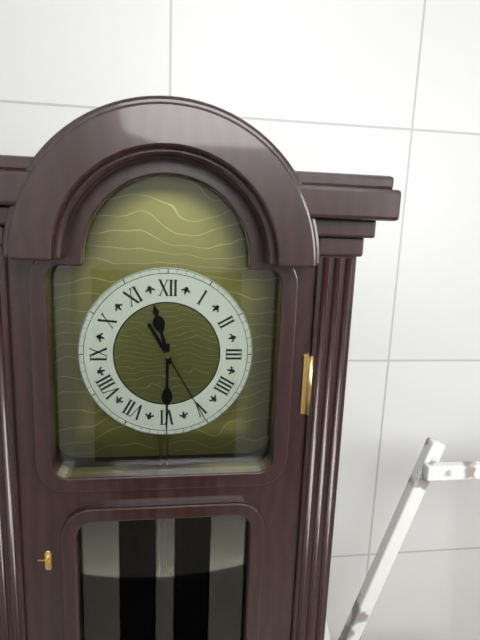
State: 11:30:25
